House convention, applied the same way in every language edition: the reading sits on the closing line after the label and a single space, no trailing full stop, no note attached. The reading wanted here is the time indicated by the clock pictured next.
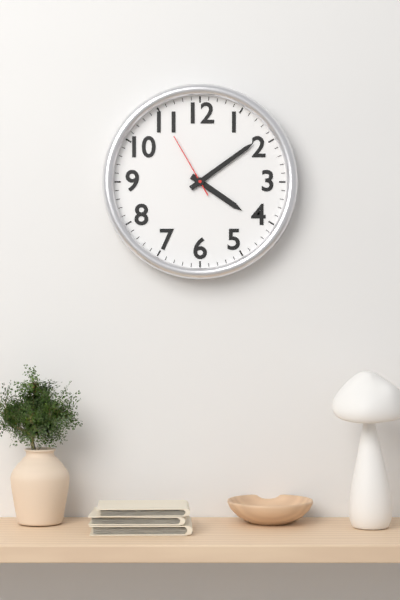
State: 4:09:55
